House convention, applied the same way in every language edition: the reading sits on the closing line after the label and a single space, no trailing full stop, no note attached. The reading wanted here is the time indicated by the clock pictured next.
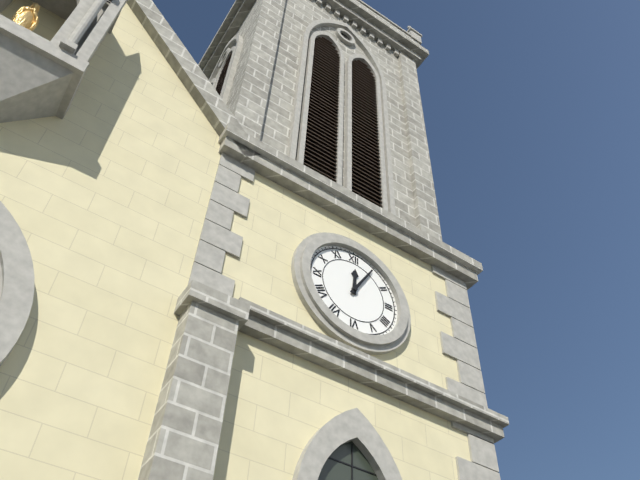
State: 12:05
